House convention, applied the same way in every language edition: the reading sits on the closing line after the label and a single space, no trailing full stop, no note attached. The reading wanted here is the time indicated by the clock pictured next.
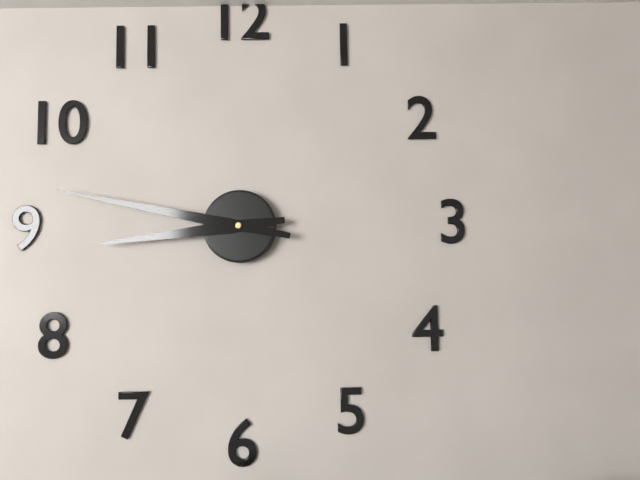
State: 8:47
